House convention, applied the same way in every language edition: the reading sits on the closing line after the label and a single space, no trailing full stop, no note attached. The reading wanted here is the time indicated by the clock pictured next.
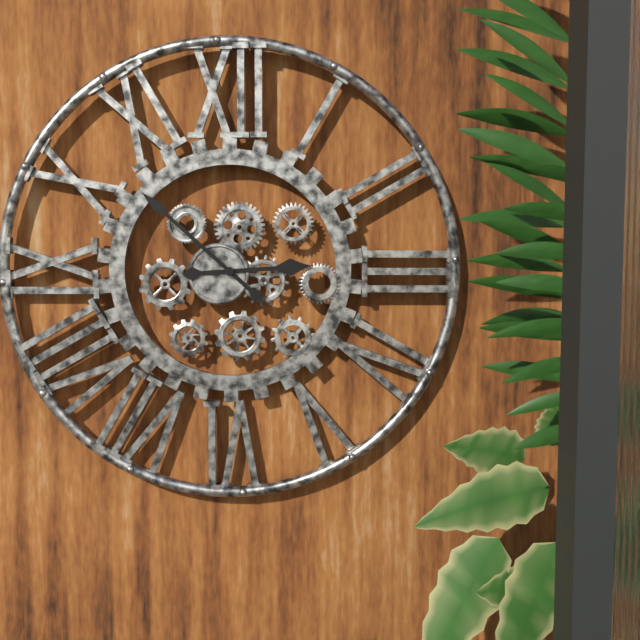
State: 2:52
